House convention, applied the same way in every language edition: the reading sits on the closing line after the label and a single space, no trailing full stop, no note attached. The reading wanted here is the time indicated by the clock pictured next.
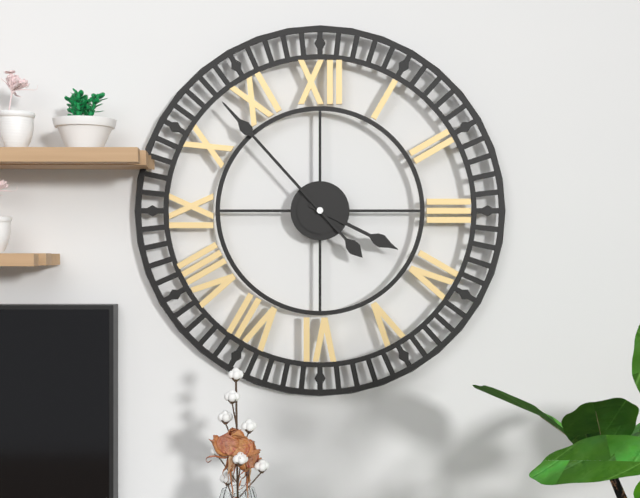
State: 3:53
